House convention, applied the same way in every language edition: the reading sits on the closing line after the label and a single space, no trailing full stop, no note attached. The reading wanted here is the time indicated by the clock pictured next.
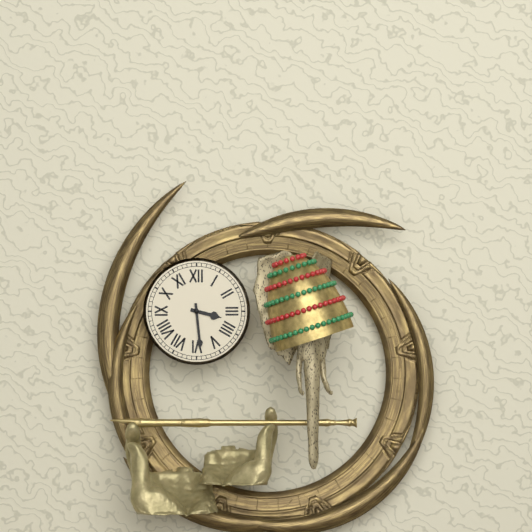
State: 3:29
